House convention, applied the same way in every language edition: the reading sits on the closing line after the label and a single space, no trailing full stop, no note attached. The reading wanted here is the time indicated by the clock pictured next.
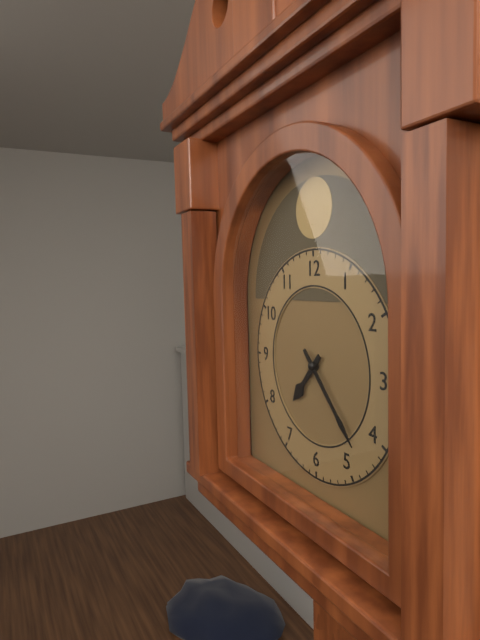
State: 7:23
